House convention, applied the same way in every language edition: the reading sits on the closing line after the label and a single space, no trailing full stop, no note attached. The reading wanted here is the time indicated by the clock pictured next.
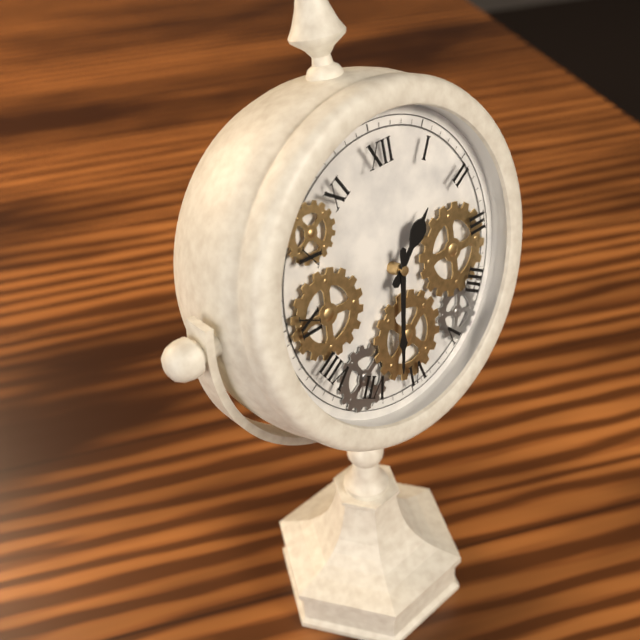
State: 1:32
